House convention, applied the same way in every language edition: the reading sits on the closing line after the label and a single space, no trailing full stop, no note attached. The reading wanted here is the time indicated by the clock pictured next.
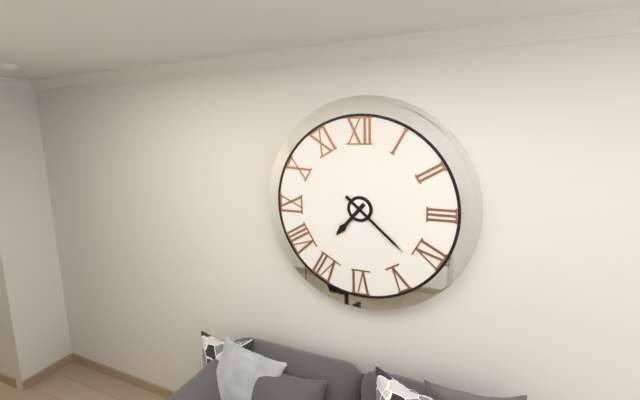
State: 7:22
